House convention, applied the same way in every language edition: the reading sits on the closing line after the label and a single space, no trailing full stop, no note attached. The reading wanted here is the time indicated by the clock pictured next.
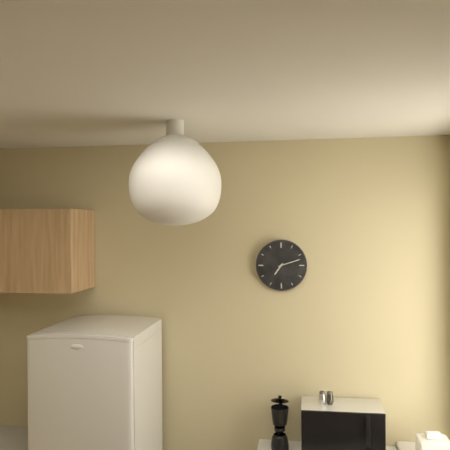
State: 7:12
